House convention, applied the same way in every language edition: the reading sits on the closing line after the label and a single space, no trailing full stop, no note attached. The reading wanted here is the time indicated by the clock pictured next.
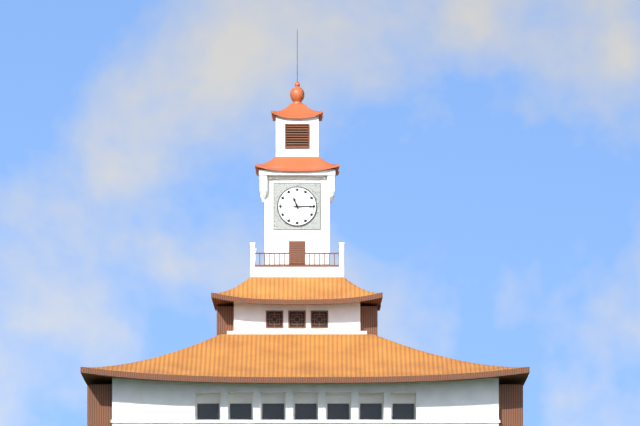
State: 11:15
